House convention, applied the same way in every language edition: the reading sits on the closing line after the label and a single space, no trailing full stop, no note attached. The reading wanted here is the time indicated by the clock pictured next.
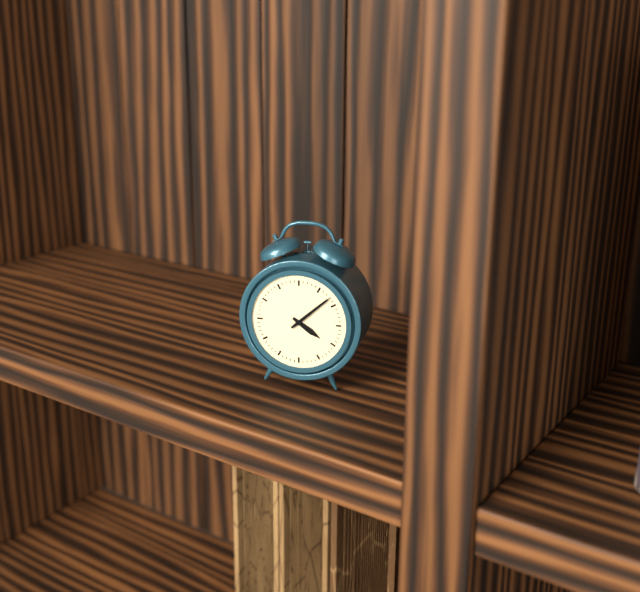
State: 4:08
